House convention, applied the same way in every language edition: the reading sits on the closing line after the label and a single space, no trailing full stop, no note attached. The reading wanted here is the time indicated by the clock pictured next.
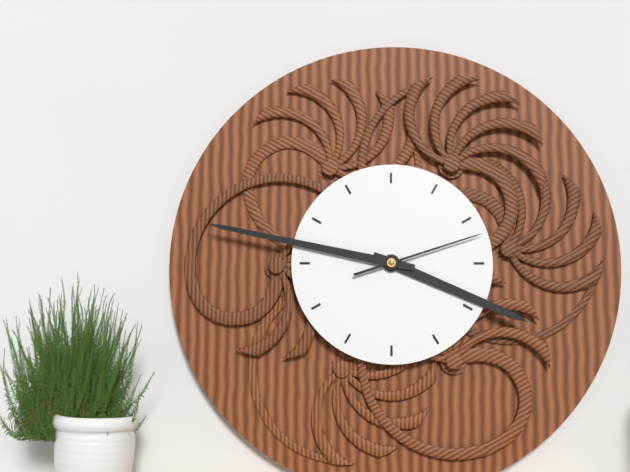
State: 3:47:12
